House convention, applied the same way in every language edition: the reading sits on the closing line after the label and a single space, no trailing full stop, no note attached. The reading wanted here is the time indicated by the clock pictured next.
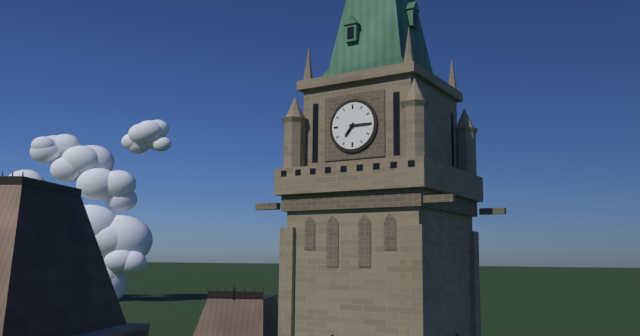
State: 7:15
